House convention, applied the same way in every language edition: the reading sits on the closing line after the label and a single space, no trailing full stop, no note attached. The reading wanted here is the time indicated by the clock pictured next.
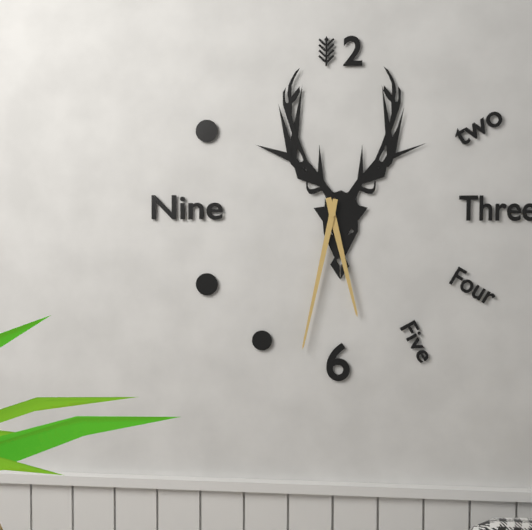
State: 5:32
